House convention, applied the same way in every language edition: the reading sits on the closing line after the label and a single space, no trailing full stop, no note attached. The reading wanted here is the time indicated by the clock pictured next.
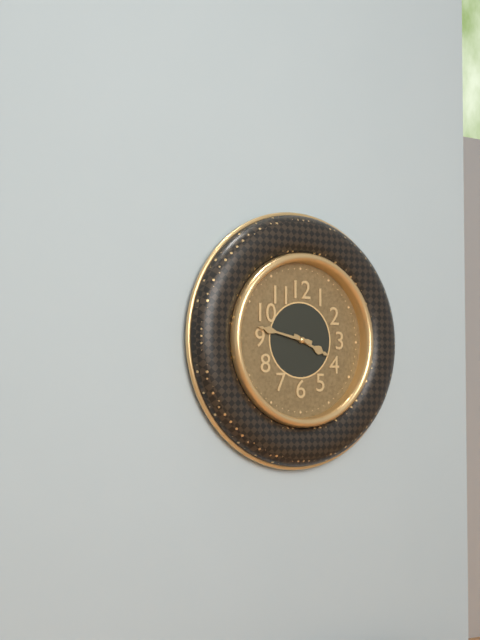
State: 3:47
